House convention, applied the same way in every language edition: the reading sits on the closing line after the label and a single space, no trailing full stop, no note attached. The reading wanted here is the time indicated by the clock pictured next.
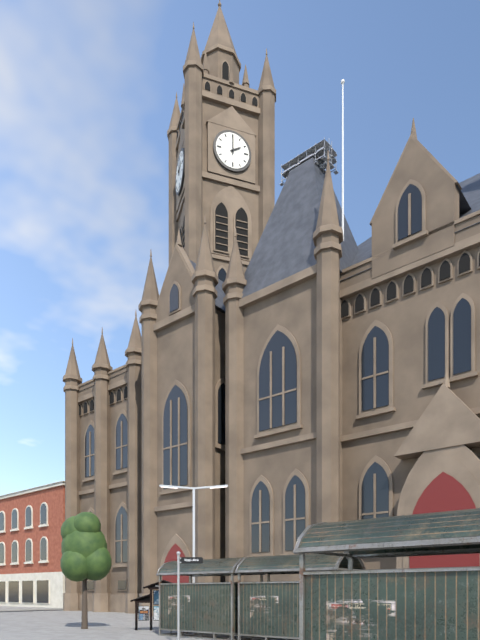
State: 2:00
